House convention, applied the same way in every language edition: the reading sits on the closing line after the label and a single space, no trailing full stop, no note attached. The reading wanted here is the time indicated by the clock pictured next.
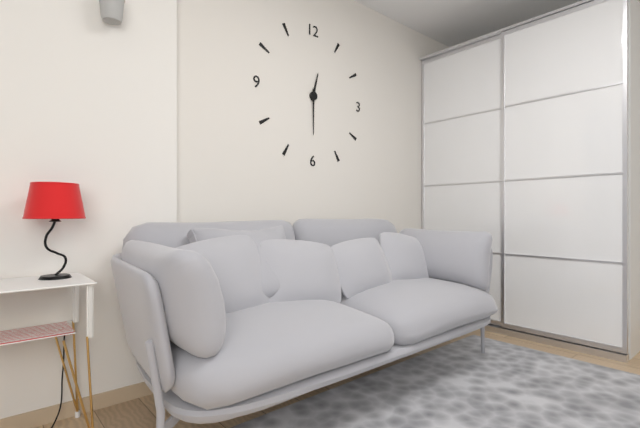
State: 12:30
